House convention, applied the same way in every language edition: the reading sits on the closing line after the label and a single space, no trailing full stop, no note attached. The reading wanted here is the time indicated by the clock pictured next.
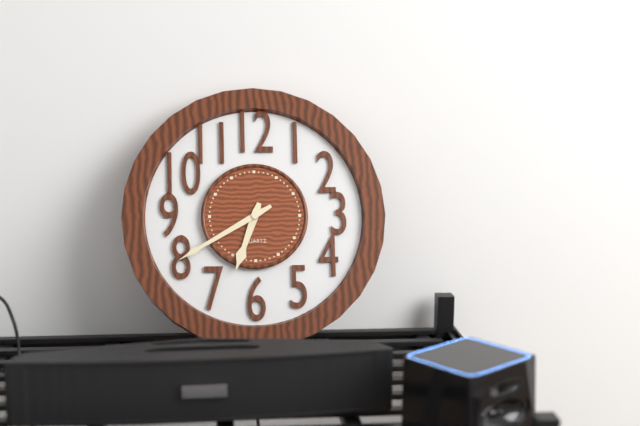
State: 6:40
